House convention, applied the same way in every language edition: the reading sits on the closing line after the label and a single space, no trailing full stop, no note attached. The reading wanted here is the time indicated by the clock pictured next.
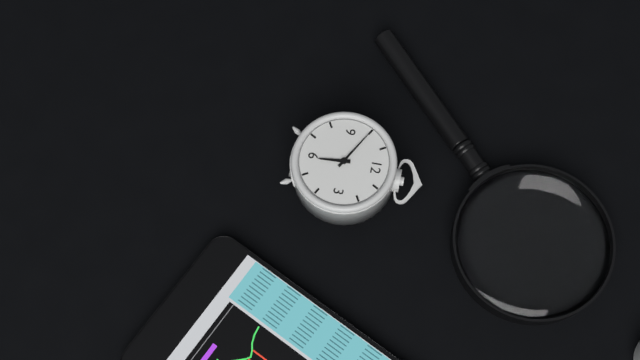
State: 5:50
